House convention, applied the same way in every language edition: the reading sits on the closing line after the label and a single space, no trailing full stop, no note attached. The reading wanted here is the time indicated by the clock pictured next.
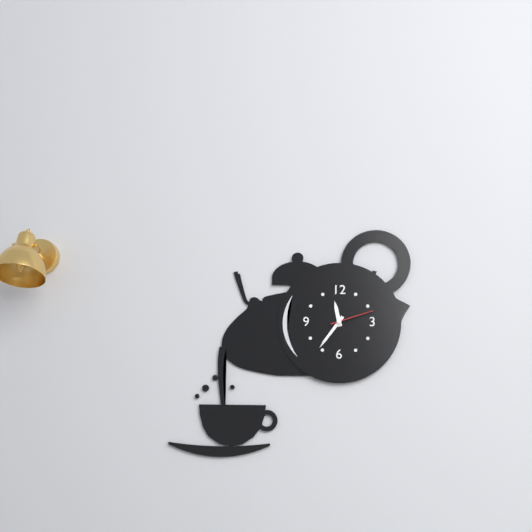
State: 11:36
